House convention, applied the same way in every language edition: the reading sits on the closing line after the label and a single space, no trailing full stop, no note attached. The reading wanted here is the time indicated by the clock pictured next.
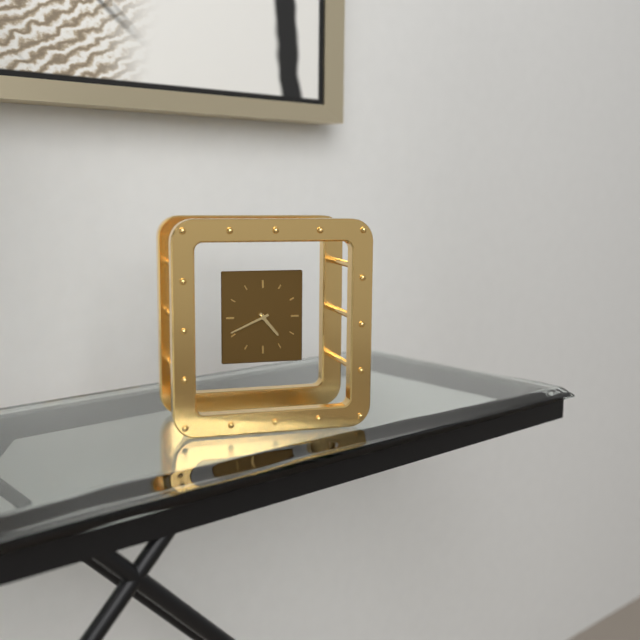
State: 4:41
